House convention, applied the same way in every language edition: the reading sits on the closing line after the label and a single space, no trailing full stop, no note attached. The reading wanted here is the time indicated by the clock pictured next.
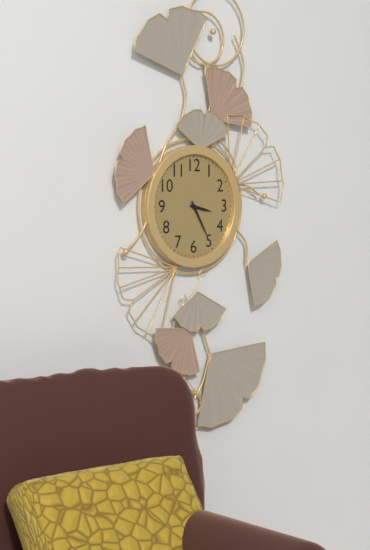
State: 3:25
